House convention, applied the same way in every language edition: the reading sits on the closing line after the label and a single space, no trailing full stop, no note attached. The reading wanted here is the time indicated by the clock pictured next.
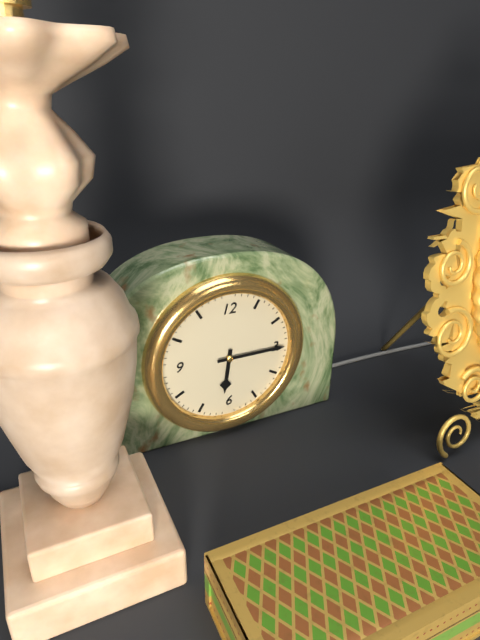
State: 6:15
